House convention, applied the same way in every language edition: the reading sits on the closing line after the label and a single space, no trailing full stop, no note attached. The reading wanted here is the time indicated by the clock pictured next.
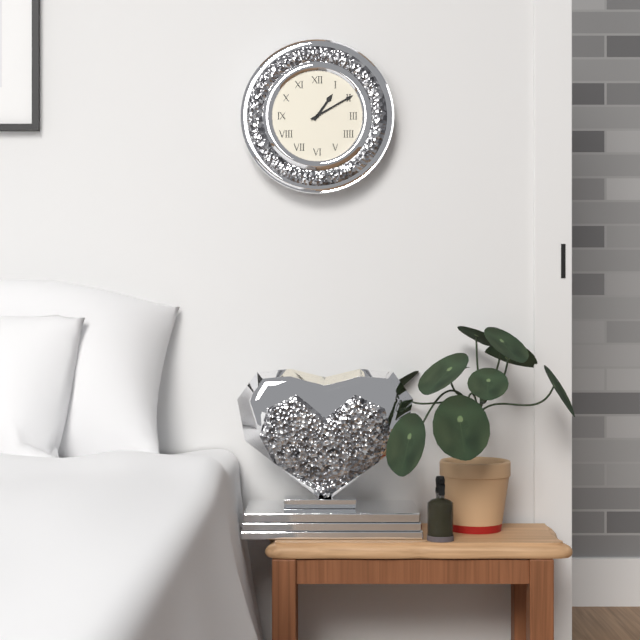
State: 1:10
